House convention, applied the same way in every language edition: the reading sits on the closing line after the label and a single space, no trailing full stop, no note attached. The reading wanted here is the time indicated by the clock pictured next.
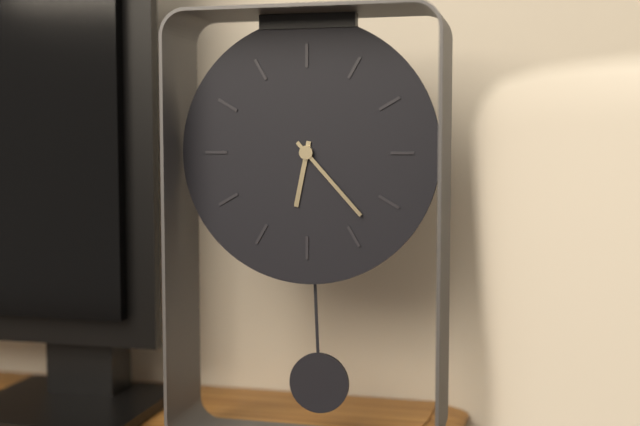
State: 6:23
